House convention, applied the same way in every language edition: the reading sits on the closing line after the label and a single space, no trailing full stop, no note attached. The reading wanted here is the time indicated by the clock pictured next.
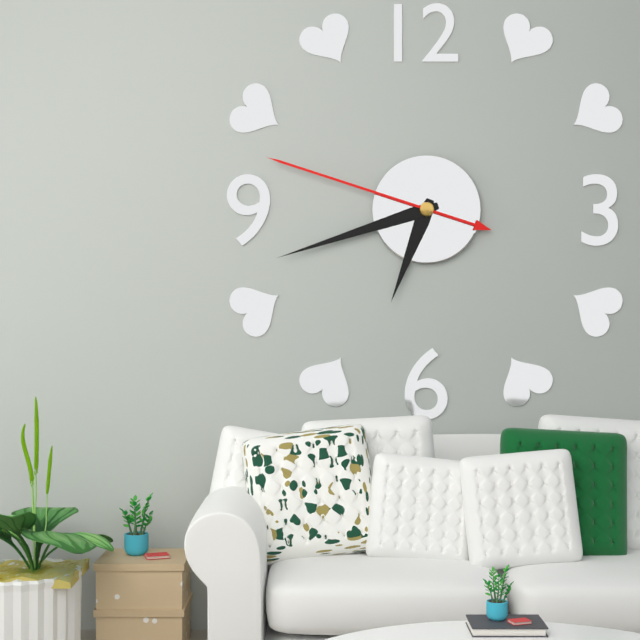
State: 6:42:48
